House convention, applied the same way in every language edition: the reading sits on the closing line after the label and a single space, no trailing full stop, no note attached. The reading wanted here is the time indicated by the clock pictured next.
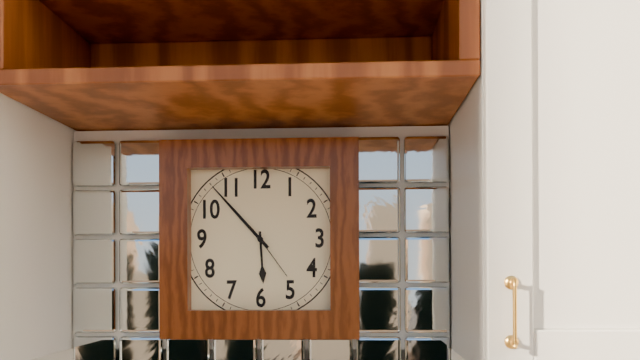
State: 5:53:24
